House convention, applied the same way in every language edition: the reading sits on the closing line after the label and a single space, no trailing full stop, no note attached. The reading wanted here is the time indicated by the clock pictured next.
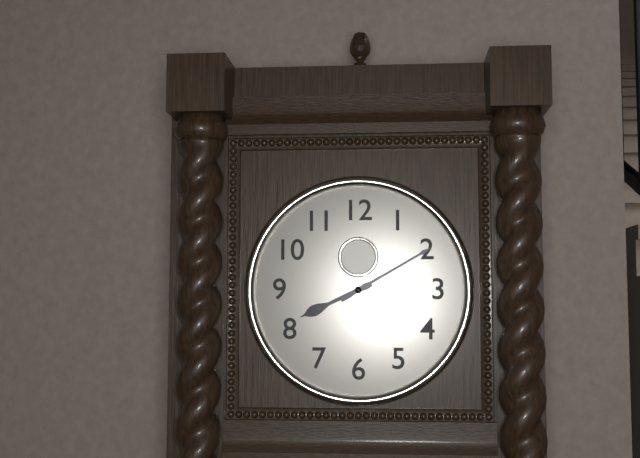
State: 8:10
